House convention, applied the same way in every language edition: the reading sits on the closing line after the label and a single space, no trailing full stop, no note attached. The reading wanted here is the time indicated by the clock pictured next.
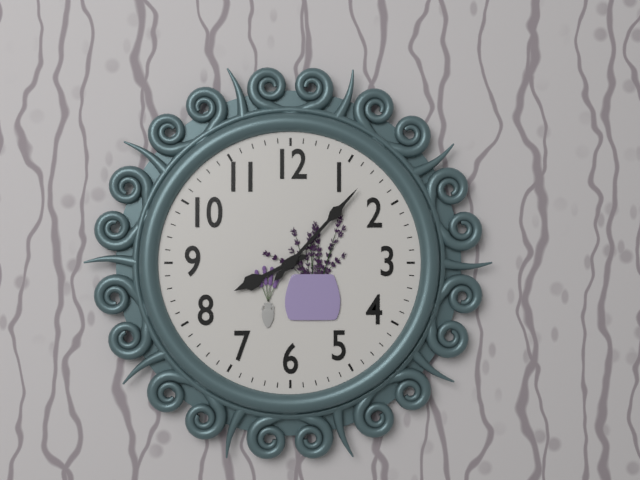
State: 8:07
